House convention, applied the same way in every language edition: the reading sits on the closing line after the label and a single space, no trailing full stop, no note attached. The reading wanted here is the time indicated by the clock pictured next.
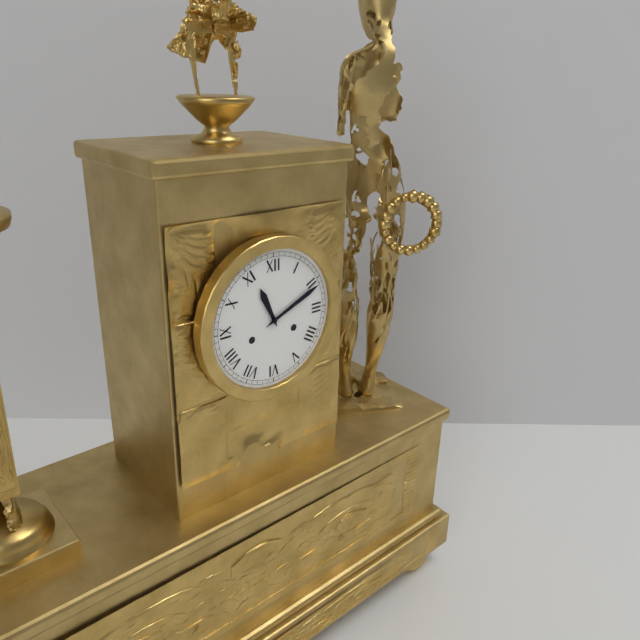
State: 11:11
